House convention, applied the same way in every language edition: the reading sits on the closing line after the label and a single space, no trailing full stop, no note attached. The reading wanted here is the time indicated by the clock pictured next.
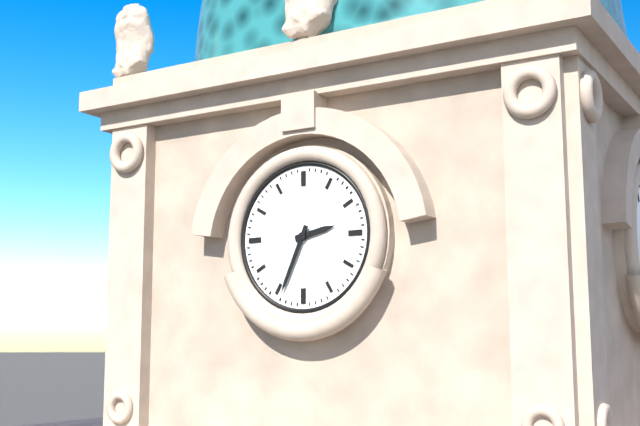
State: 2:34
